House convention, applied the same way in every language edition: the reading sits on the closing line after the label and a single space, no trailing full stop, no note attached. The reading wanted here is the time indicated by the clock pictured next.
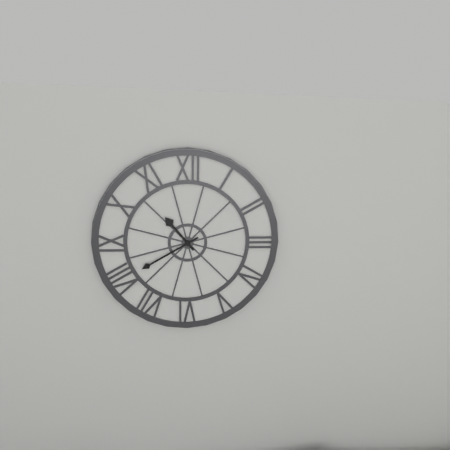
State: 10:40
